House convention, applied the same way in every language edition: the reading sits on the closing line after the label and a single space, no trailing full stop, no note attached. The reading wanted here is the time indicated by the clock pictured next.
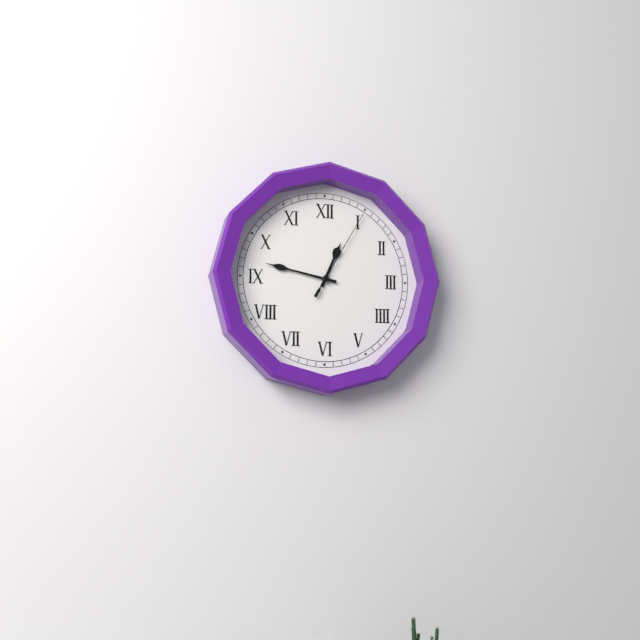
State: 12:47:05
